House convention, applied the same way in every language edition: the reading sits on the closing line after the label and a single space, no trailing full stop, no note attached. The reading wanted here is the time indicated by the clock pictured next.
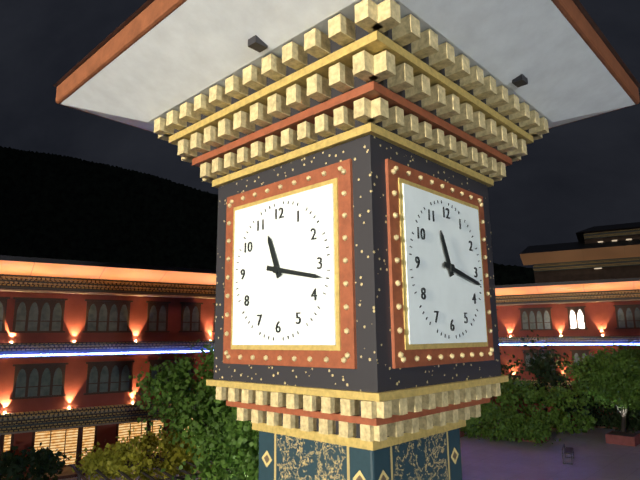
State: 11:17
